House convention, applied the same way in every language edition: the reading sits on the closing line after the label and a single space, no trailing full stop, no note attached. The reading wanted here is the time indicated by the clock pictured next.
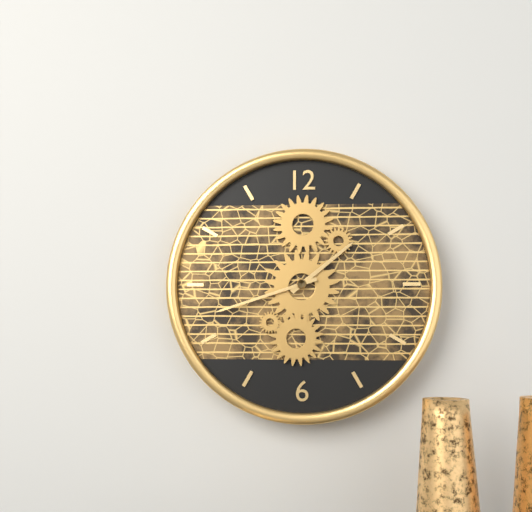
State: 1:42
